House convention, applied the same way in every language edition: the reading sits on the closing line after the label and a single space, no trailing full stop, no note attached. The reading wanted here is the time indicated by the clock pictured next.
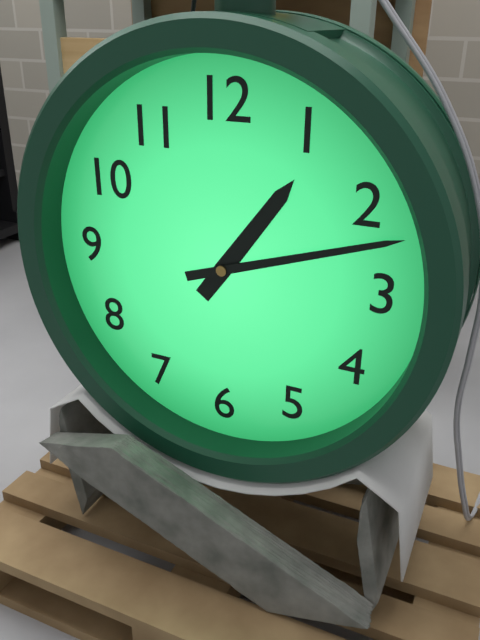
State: 1:12
